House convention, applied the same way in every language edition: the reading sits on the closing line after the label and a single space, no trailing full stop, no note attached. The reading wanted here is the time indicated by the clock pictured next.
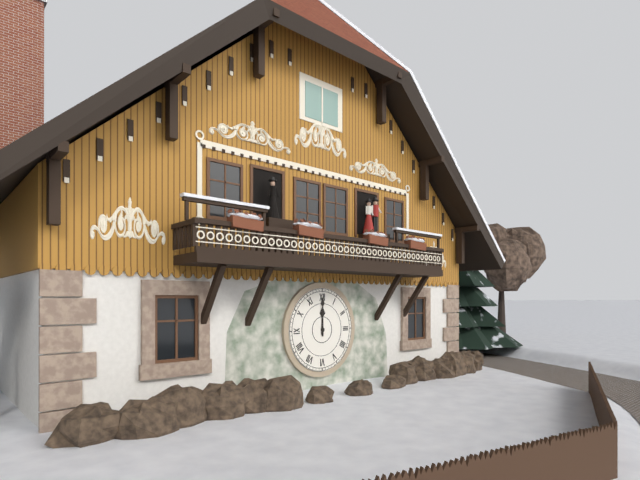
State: 12:00
